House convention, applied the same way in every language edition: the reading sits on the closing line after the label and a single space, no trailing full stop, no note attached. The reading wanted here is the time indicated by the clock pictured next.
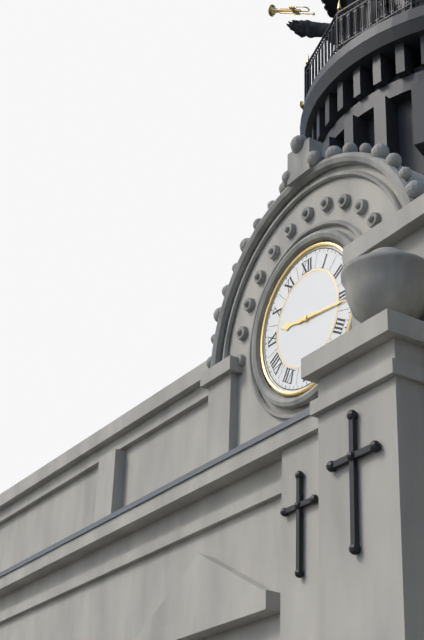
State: 9:16
